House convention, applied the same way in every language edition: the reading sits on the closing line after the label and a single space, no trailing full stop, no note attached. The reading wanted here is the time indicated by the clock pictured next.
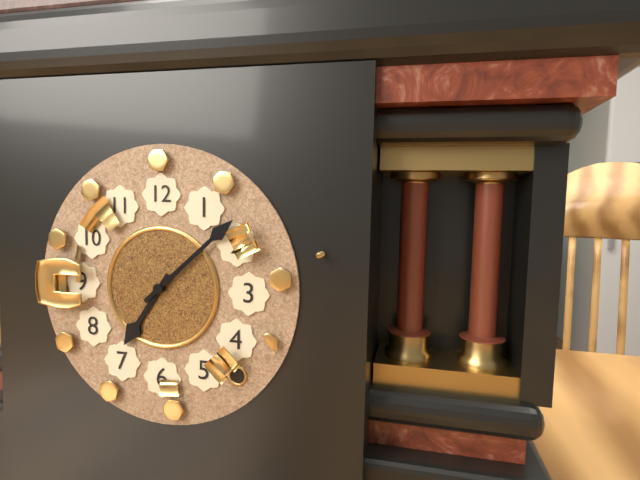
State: 7:08
